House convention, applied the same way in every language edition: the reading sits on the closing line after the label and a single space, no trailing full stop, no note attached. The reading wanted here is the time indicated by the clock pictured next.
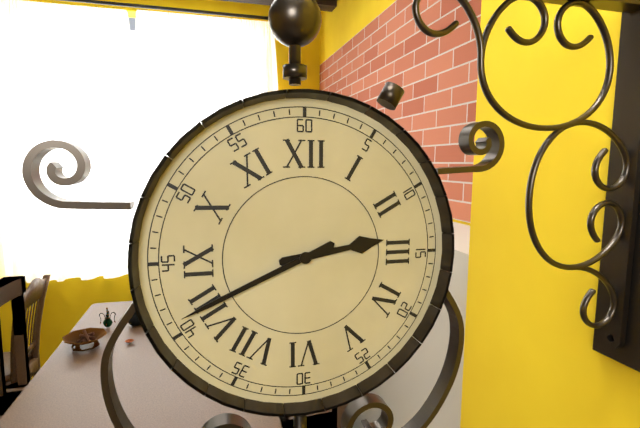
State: 2:41
